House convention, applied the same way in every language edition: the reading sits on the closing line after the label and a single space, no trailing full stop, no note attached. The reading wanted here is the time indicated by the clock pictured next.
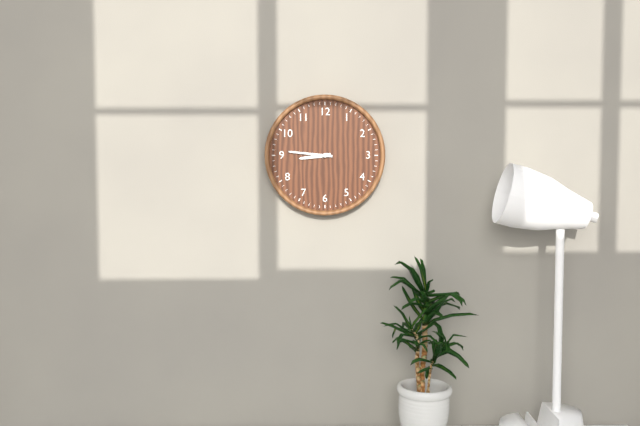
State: 8:46
